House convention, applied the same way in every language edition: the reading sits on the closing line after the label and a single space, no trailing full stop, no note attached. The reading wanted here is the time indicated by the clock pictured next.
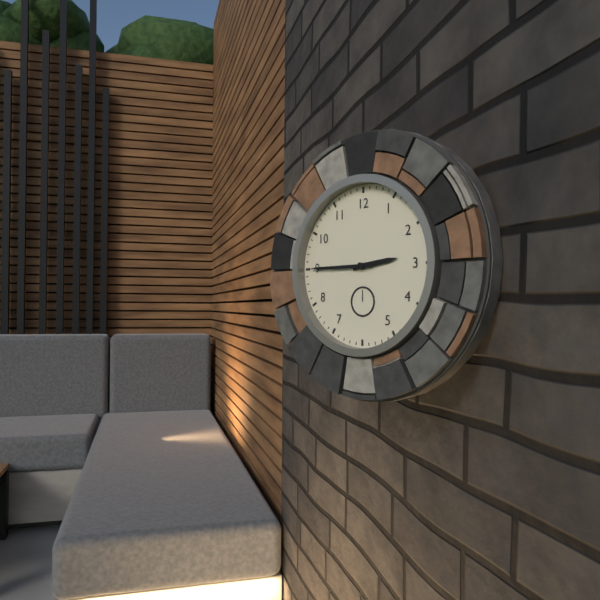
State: 2:45
